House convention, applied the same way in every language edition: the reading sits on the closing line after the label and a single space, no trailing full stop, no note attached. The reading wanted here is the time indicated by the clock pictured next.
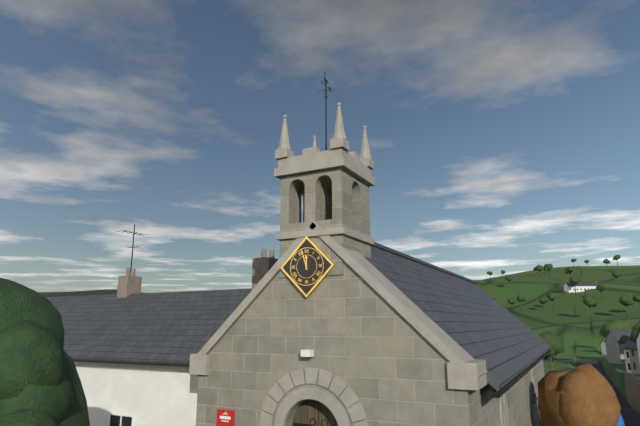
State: 11:57
